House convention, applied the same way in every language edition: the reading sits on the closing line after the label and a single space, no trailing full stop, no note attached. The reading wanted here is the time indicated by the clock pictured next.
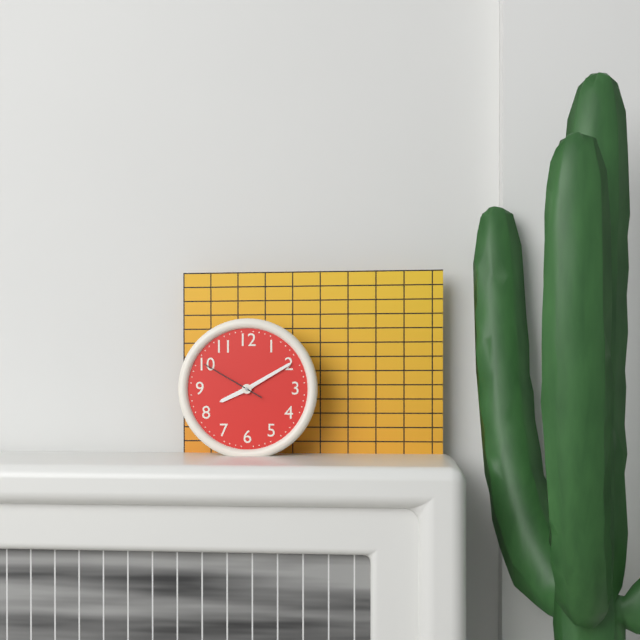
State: 8:10:50
